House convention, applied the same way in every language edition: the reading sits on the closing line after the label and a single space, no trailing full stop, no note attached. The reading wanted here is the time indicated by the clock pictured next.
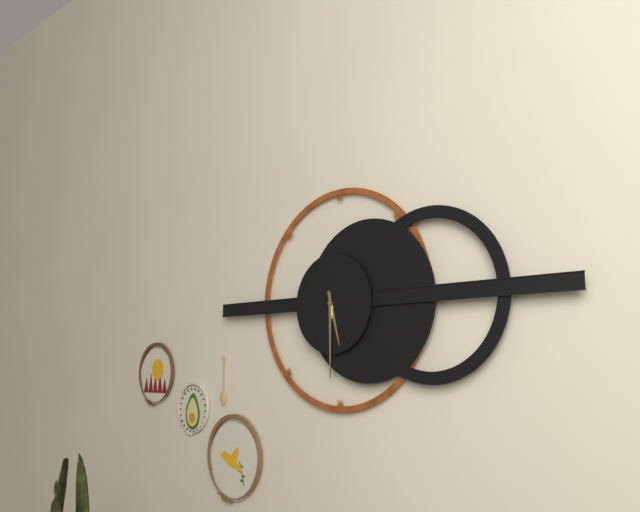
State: 5:30
